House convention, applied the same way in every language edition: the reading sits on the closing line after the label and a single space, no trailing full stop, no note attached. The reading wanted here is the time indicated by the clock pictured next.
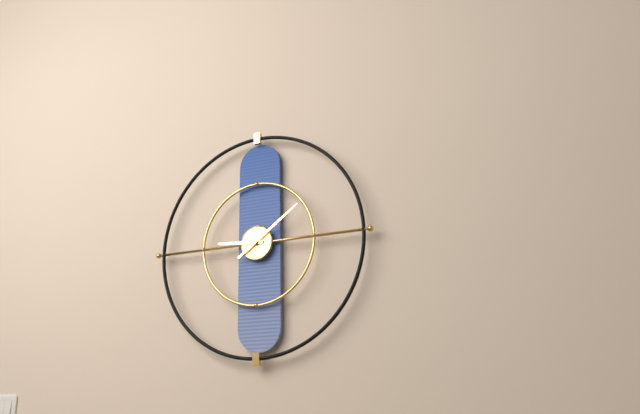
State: 9:09
